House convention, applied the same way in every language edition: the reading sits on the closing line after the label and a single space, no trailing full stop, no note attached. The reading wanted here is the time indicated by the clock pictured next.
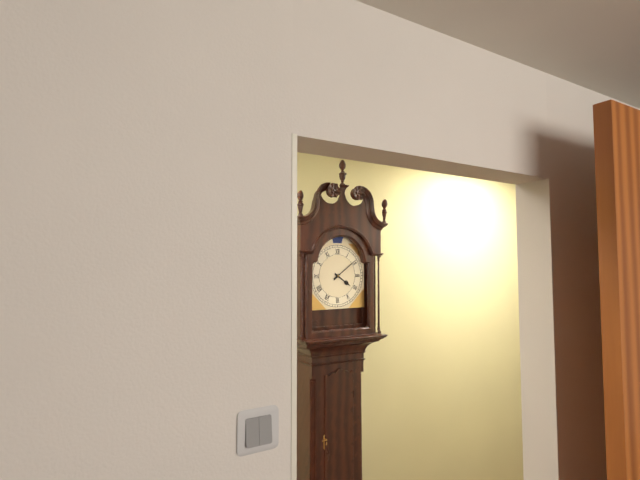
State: 4:09
